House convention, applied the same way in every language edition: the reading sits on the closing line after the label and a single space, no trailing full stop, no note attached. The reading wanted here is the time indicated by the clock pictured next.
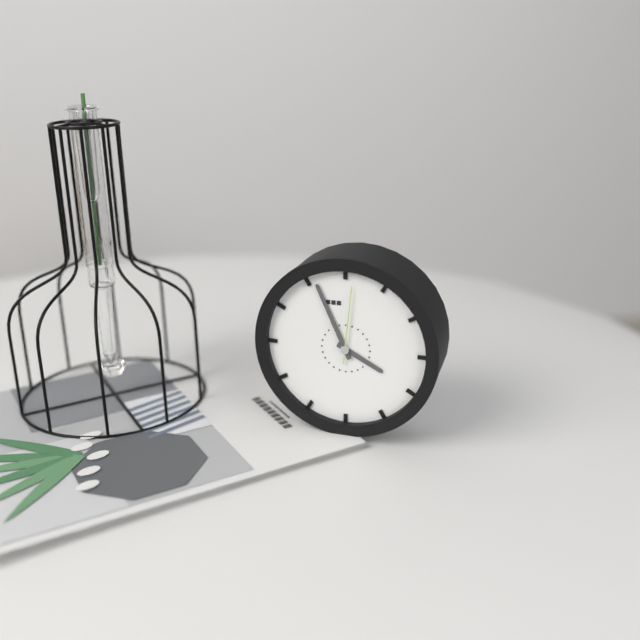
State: 3:56:01
